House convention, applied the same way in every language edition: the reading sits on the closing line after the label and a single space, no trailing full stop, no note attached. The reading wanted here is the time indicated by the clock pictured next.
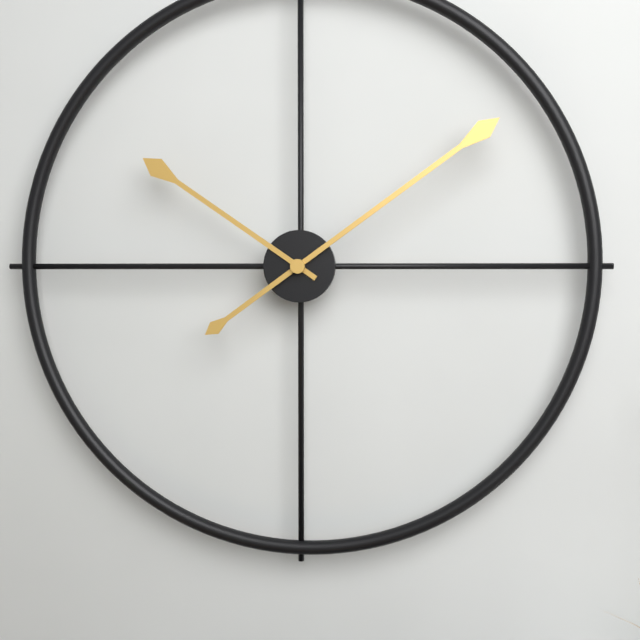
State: 10:09
